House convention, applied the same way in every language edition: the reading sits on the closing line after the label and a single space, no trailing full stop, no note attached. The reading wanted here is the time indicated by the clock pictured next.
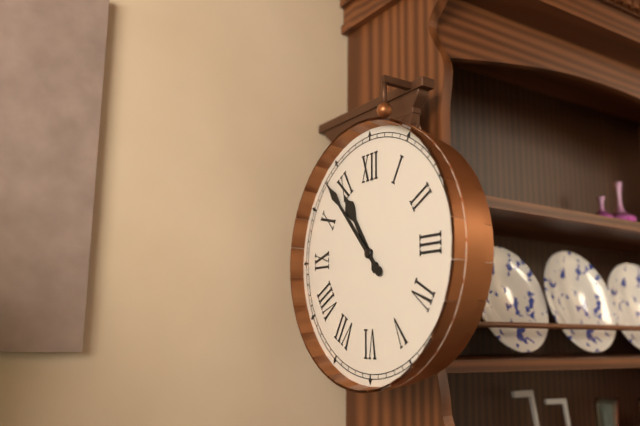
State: 10:53
